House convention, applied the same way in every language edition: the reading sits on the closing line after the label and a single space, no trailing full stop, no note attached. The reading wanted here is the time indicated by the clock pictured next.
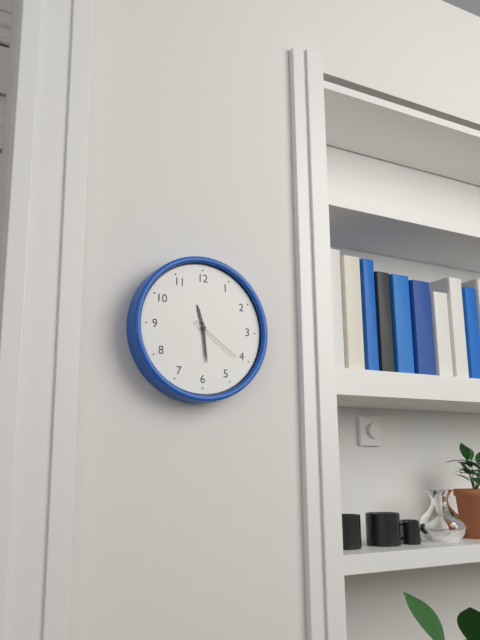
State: 11:29:21
